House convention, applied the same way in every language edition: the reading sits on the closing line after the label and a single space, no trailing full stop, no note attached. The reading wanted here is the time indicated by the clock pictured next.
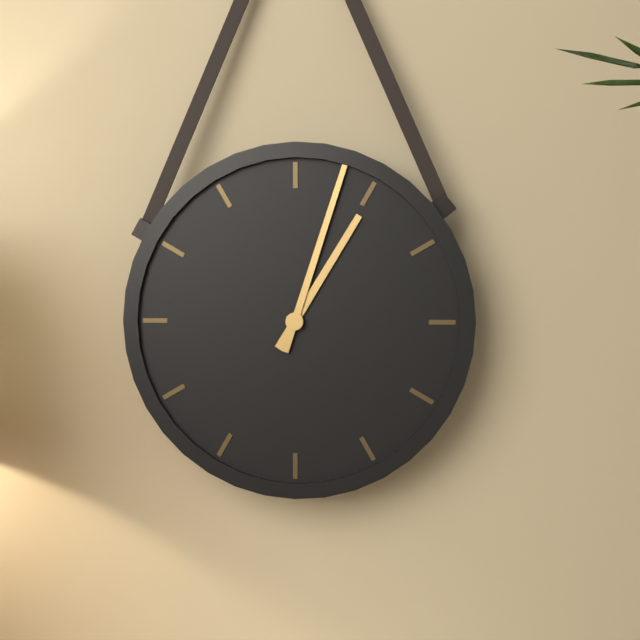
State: 1:03
